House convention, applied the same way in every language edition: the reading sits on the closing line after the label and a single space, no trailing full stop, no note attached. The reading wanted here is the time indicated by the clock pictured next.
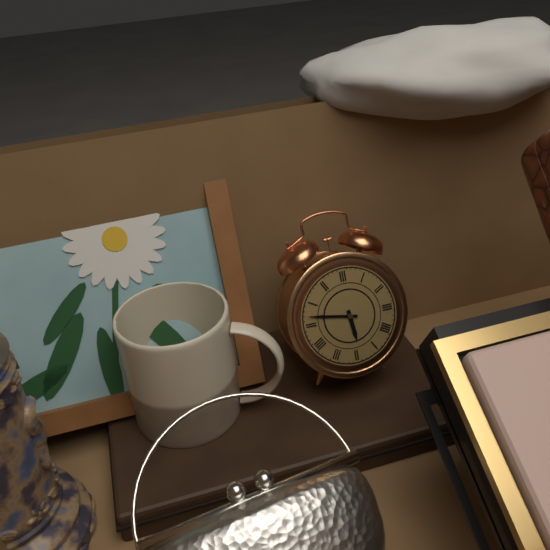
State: 5:47
